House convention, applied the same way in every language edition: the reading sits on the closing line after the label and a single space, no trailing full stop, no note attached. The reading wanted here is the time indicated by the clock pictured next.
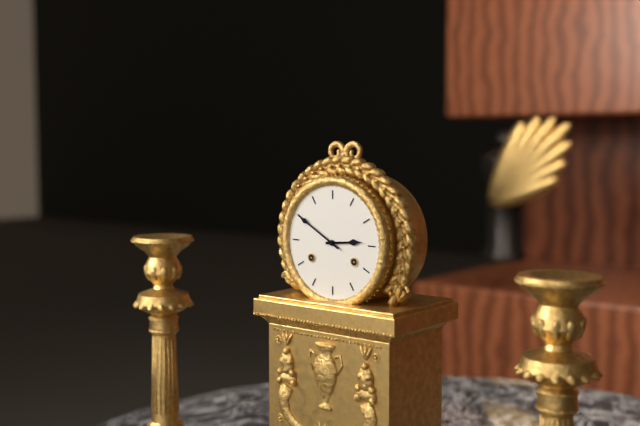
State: 2:50
